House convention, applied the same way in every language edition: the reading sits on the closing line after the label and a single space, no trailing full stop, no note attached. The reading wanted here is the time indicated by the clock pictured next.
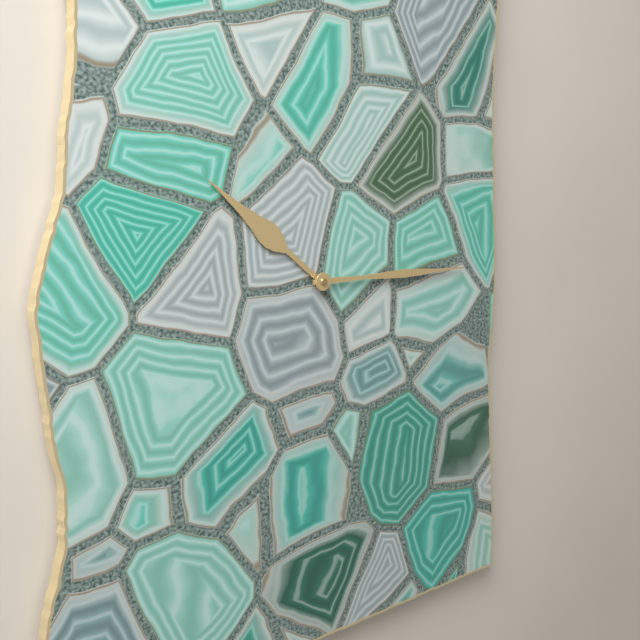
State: 10:15
